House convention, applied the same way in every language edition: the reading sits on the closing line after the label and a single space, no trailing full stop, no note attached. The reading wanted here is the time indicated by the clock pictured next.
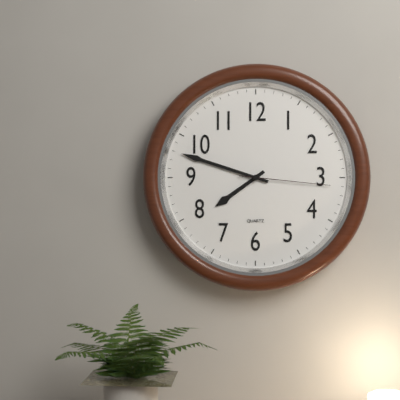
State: 7:48:16
